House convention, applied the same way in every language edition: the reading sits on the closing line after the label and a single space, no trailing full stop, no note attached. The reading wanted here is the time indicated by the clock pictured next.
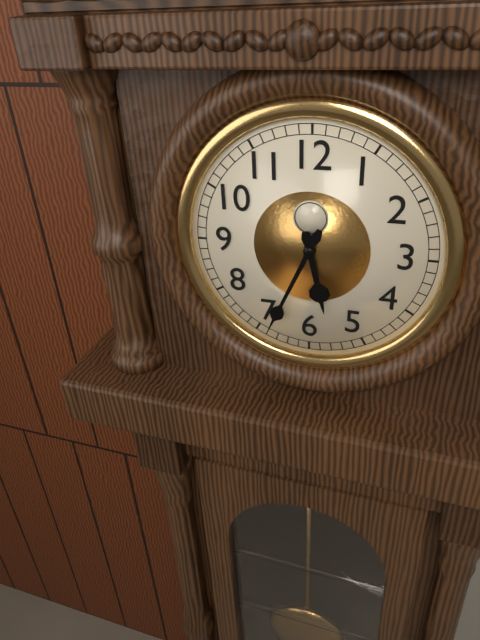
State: 5:34
